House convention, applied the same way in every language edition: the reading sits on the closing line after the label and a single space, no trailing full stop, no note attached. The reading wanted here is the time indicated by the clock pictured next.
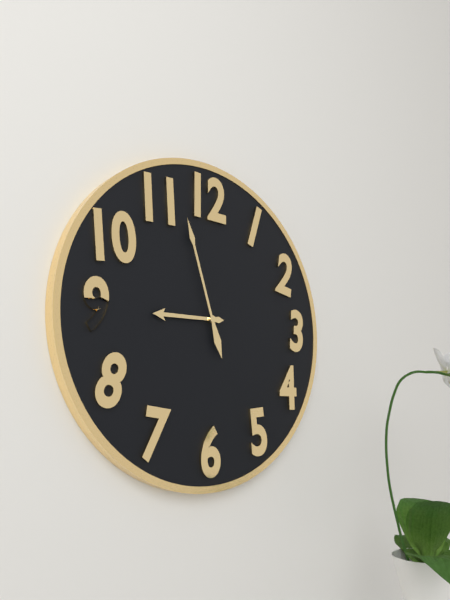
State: 8:57
